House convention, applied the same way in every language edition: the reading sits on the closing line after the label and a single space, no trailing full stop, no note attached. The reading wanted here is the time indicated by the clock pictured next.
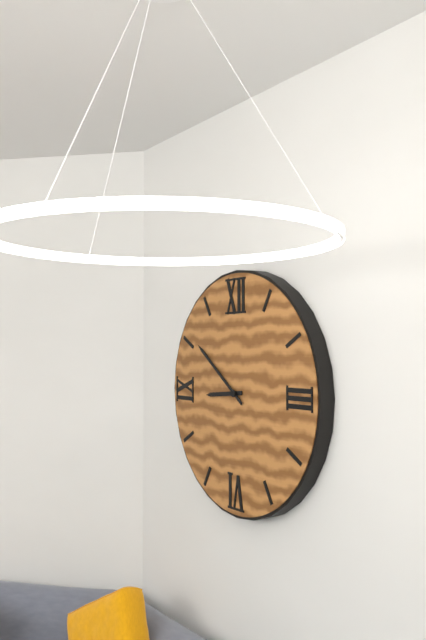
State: 8:51
